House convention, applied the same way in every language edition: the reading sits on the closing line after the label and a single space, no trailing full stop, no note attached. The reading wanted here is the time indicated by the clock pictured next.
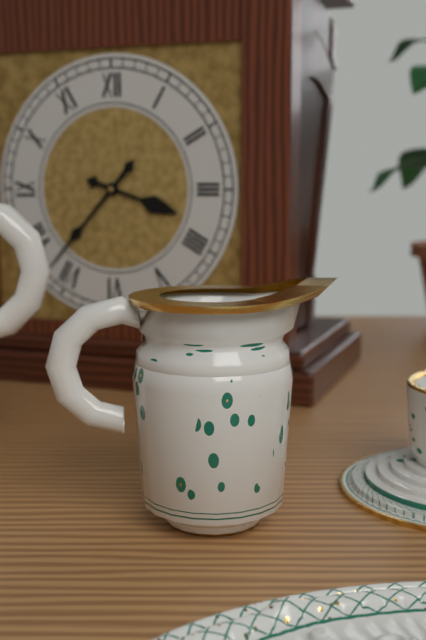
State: 3:37
